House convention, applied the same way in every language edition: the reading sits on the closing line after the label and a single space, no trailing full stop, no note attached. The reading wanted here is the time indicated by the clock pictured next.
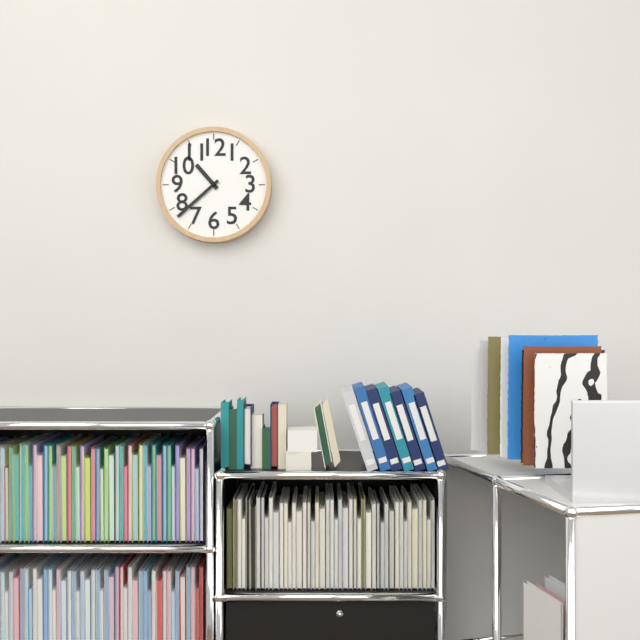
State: 10:38
